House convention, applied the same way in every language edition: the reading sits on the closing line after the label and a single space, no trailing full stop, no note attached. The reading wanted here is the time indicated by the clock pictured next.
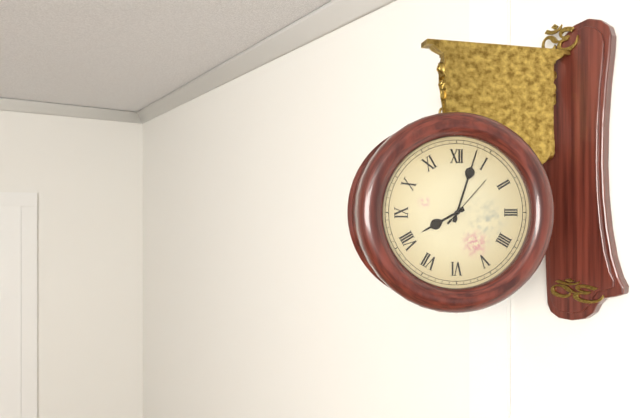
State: 8:03:07
